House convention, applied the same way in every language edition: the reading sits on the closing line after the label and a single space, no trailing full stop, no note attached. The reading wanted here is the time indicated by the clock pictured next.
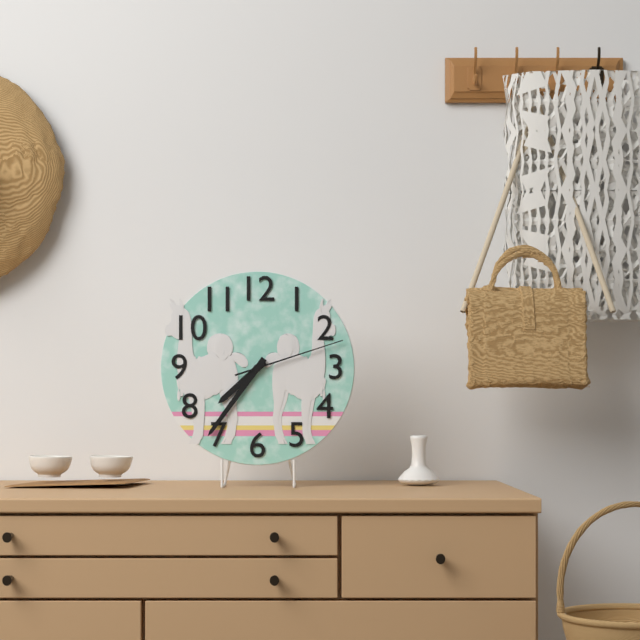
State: 7:36:12
